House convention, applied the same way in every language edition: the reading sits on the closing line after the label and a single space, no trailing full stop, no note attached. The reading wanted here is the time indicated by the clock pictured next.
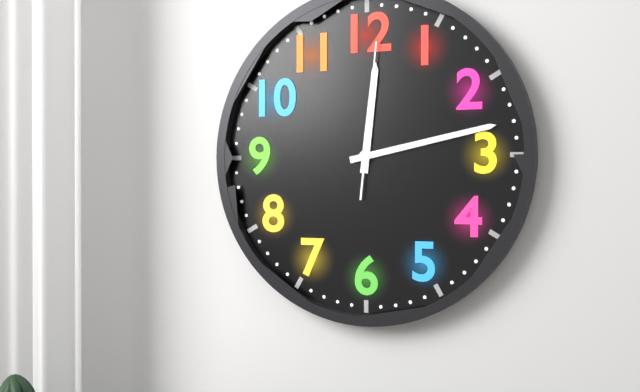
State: 12:13:01
